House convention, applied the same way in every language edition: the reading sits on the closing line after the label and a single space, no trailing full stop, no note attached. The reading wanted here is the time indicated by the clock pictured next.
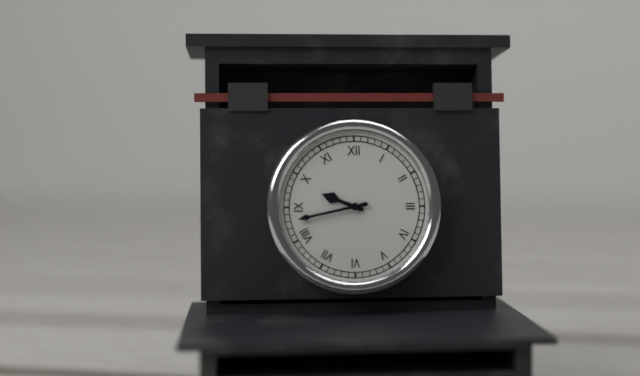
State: 9:43
